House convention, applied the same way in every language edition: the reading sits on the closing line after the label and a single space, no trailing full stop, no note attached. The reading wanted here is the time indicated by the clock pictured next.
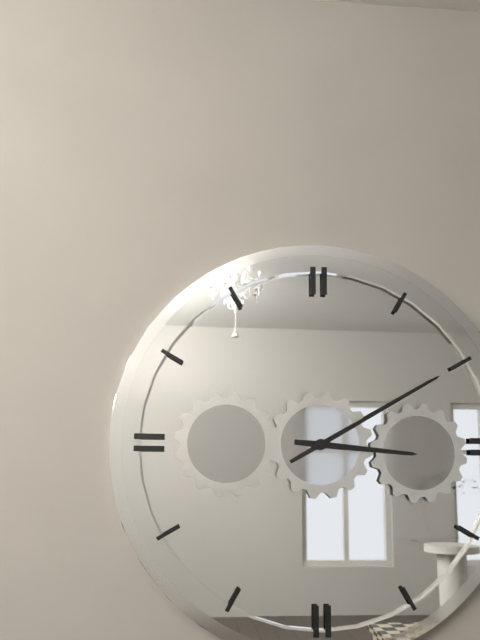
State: 3:10
